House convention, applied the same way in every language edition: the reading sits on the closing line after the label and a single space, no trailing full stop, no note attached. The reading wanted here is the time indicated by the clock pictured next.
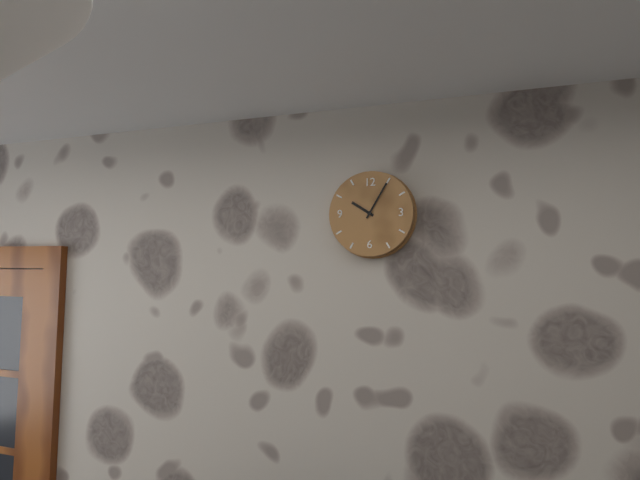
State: 10:05
